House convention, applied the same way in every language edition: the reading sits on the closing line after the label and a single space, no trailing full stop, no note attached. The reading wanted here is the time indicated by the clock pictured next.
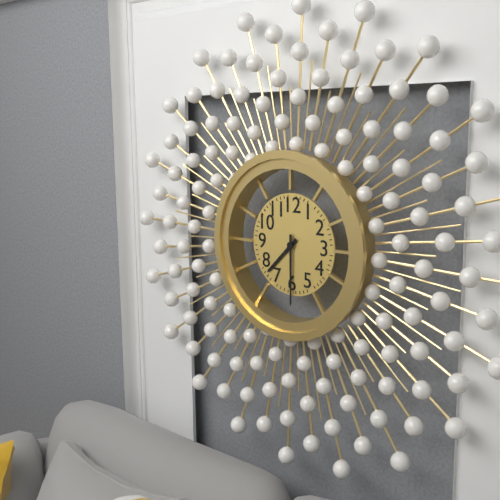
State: 7:30
